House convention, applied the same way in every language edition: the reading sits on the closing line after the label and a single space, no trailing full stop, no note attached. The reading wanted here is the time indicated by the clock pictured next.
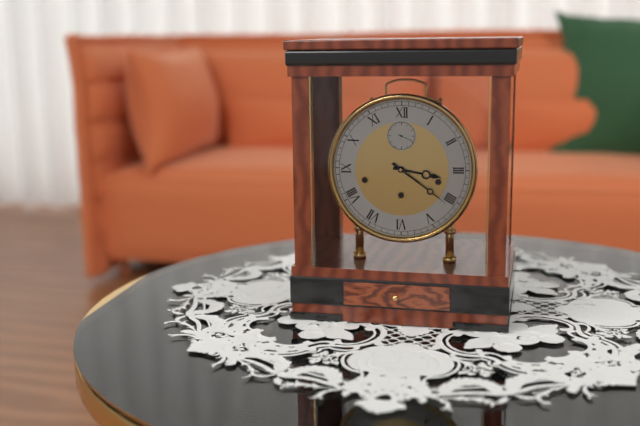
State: 3:21
